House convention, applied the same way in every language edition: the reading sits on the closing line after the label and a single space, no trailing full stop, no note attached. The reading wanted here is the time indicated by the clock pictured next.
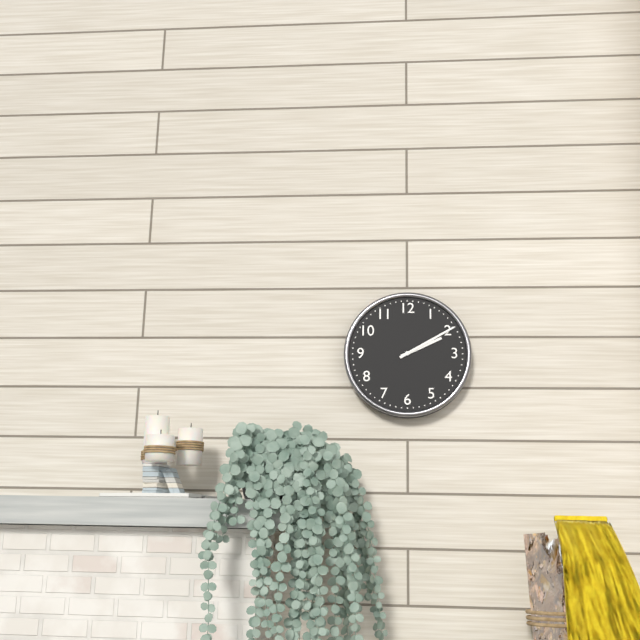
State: 2:10
